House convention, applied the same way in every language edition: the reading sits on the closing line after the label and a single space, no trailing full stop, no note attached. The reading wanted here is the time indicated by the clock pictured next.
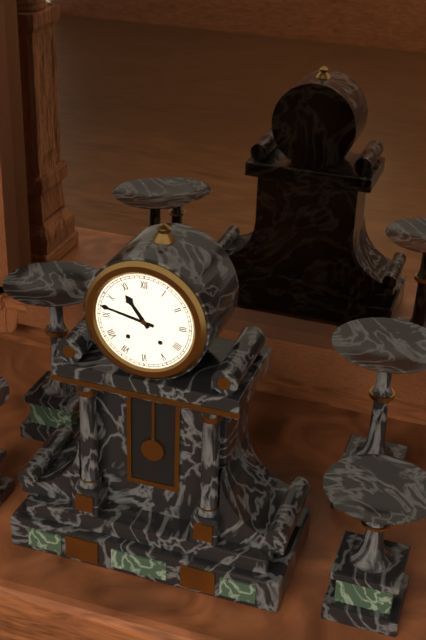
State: 10:47
